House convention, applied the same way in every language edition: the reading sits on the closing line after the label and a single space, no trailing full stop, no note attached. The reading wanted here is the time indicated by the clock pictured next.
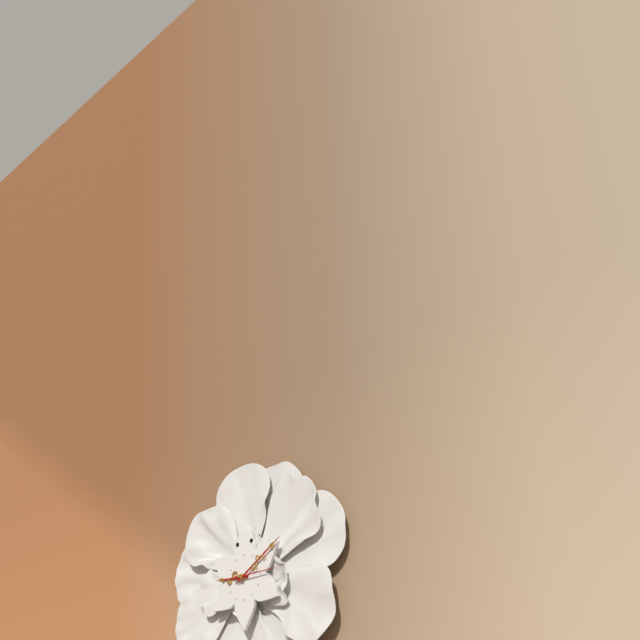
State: 9:10
